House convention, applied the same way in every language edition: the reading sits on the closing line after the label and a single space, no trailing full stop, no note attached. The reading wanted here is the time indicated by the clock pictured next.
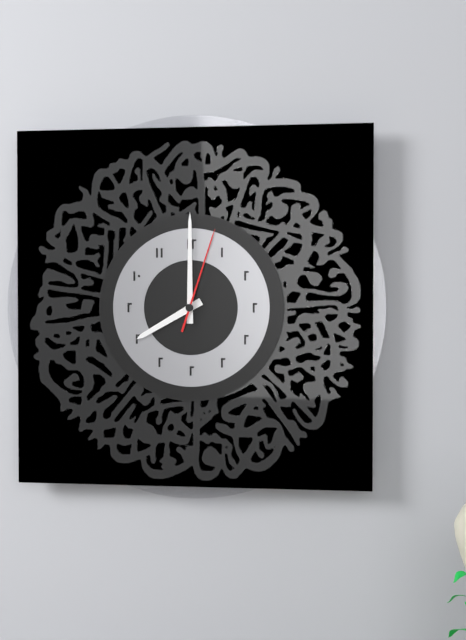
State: 8:00:03
